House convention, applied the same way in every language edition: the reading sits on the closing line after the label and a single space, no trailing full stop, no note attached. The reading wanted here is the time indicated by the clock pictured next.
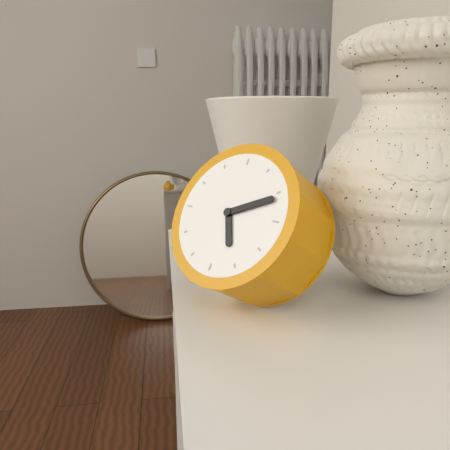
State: 5:11
